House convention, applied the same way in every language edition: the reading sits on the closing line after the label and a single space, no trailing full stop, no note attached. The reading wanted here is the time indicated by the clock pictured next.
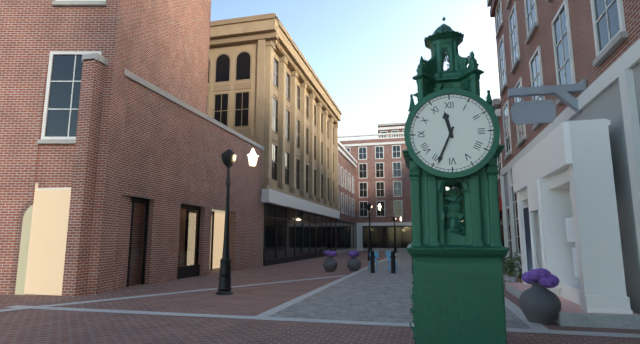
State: 11:34
